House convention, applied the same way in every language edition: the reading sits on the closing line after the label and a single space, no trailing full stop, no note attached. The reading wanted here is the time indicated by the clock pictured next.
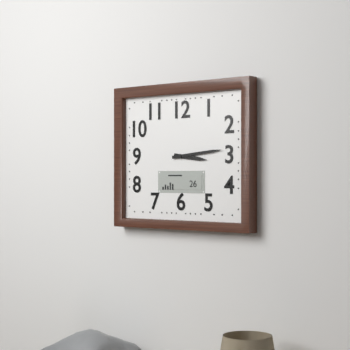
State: 3:14
